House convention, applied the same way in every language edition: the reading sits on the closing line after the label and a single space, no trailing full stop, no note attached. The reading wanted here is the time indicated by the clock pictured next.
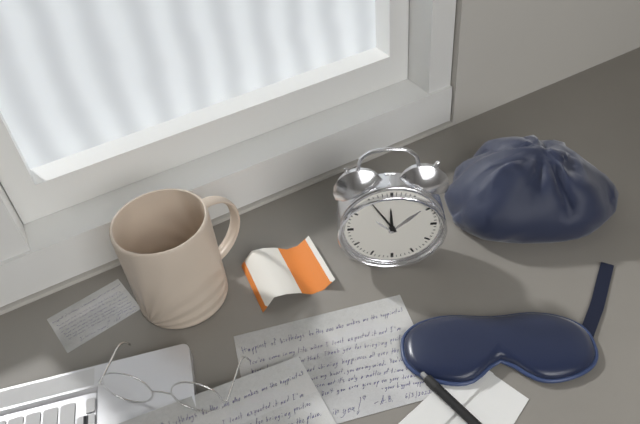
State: 11:55
